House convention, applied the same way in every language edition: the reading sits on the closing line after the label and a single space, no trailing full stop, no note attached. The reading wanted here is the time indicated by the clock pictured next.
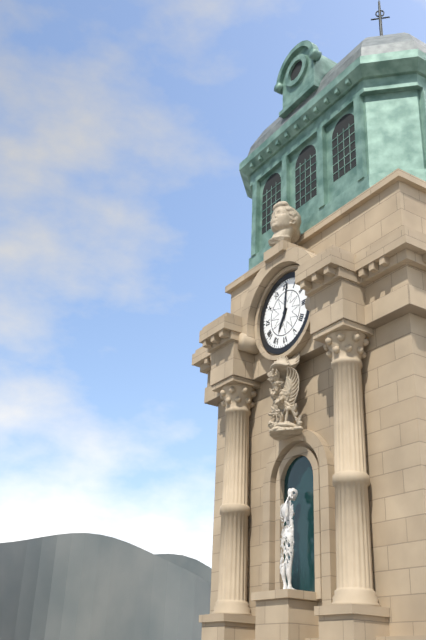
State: 7:01
